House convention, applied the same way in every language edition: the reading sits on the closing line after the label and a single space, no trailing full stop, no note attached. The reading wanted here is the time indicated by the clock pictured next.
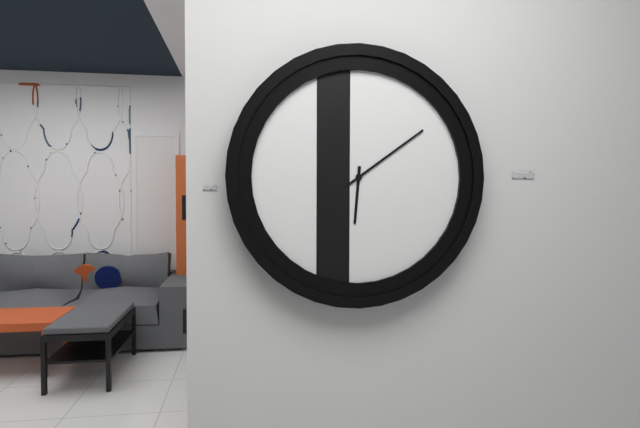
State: 6:09
